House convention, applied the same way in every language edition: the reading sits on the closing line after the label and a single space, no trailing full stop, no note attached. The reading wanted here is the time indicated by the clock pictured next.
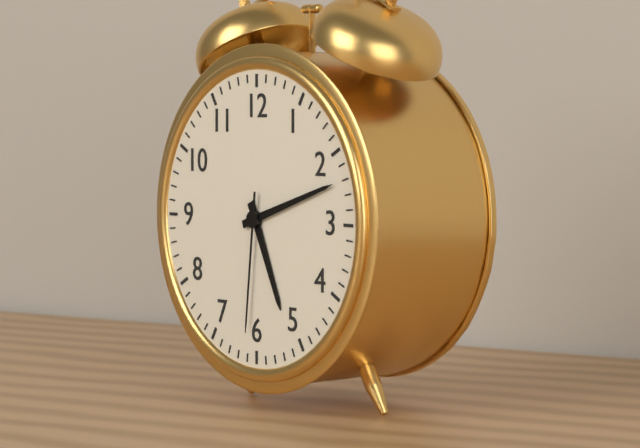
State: 5:12:31
